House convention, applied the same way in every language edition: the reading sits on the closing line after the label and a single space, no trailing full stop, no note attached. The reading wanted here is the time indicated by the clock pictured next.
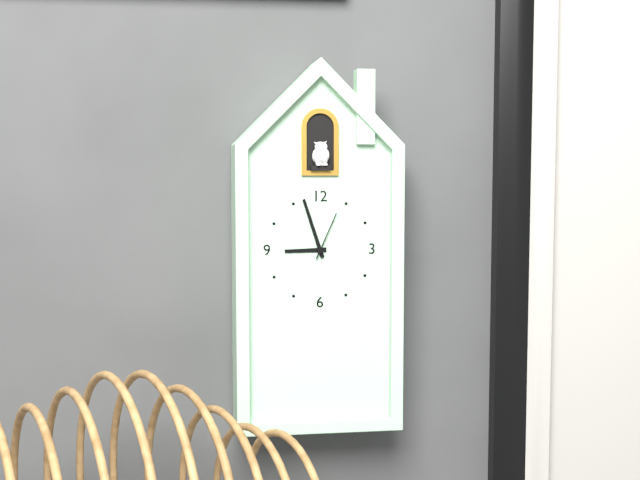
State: 8:57:04
